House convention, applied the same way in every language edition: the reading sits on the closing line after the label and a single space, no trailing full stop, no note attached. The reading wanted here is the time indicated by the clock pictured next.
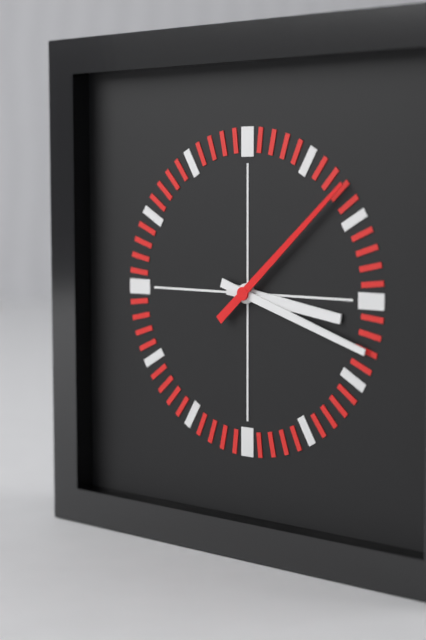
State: 3:18:08
